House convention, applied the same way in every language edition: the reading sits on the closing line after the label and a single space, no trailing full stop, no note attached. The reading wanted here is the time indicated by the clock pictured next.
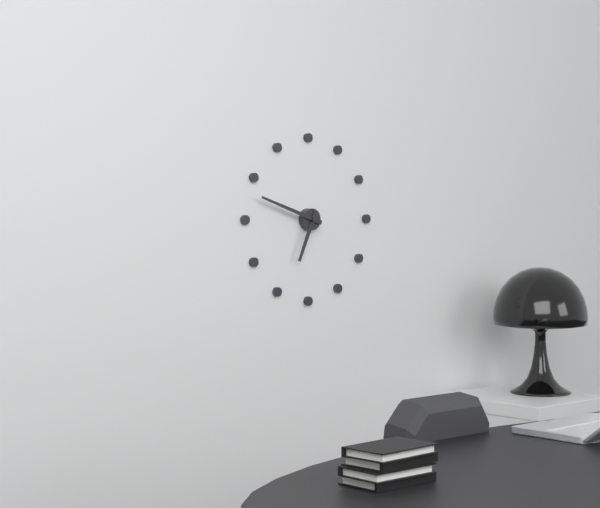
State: 6:48
